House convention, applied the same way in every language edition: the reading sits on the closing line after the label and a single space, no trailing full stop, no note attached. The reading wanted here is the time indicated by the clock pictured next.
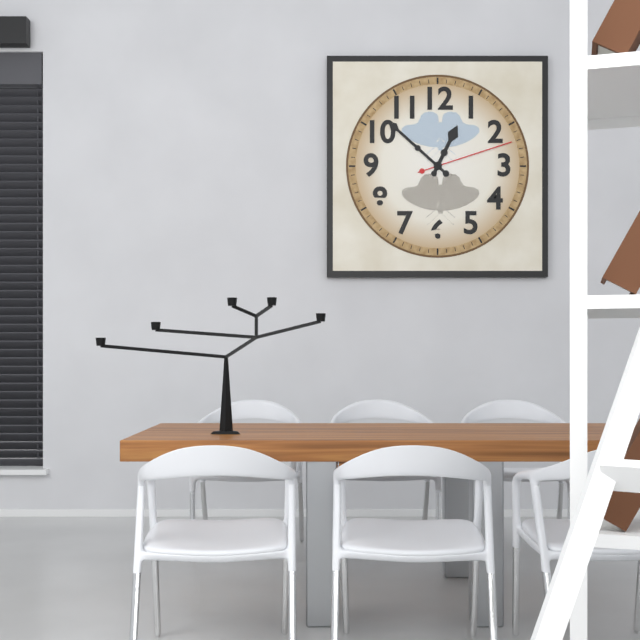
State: 12:52:12
